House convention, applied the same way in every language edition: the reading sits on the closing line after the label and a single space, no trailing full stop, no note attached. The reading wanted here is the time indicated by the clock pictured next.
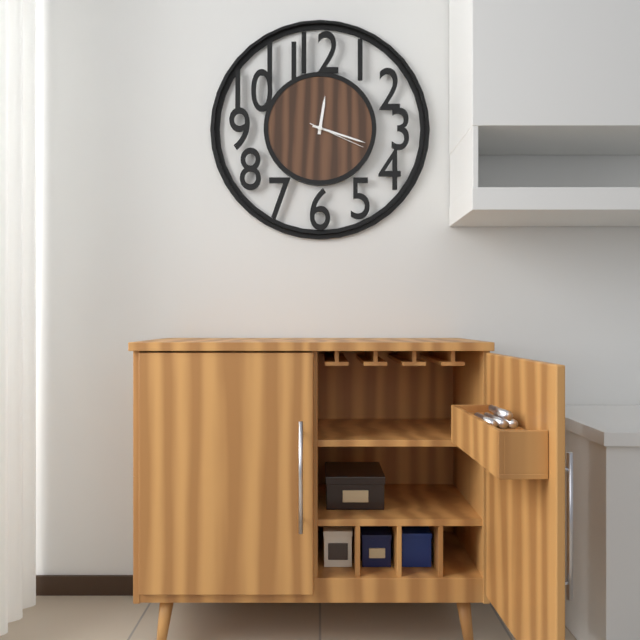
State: 12:18:19
